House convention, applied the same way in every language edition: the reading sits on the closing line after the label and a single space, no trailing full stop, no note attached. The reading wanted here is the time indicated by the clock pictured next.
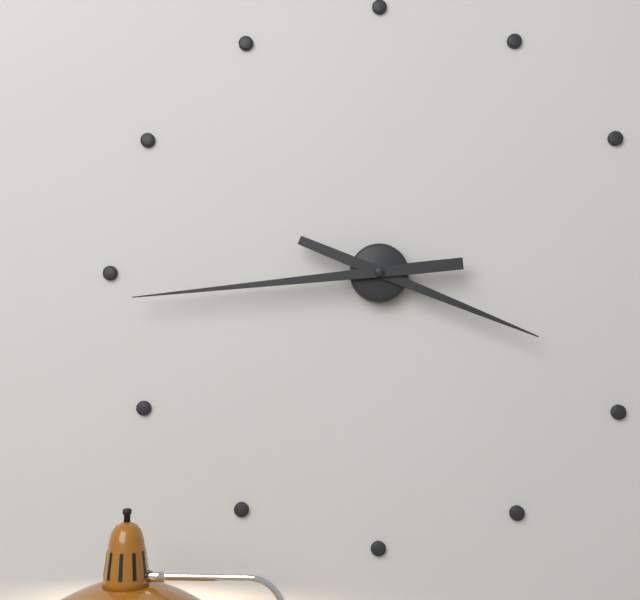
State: 3:44
